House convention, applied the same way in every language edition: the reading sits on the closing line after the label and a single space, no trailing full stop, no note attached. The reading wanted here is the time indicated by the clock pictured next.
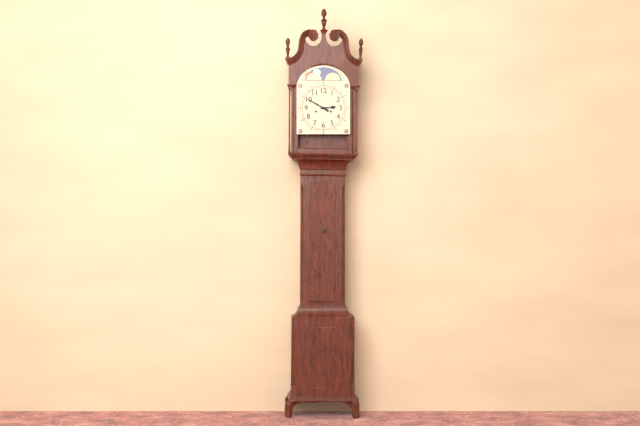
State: 2:50
